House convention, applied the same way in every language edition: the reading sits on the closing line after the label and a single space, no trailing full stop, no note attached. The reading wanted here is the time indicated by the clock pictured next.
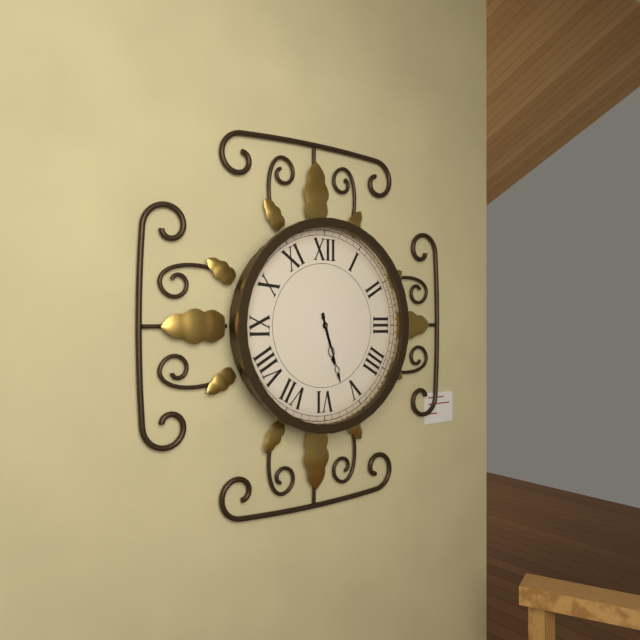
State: 5:27
